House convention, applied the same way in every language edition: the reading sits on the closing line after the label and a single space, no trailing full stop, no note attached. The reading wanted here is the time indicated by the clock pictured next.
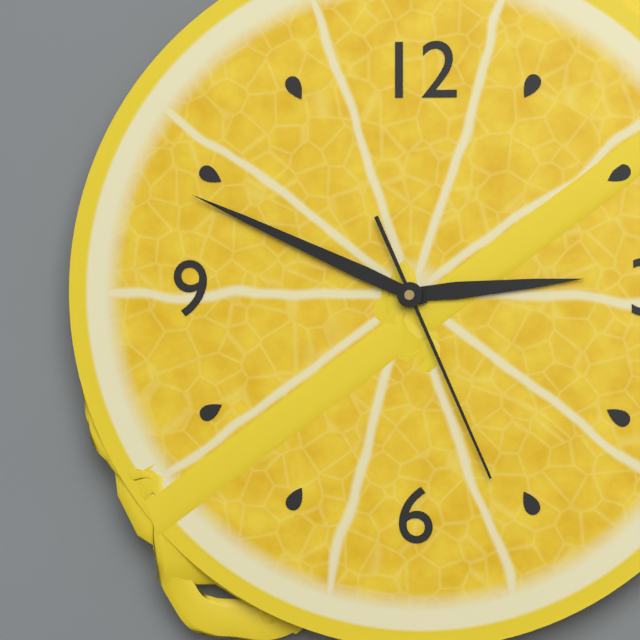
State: 2:49:26
